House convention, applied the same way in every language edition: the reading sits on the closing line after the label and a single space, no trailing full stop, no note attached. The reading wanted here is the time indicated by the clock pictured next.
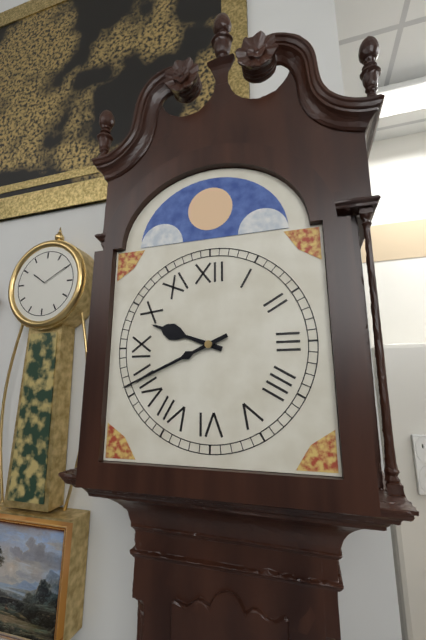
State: 9:41
